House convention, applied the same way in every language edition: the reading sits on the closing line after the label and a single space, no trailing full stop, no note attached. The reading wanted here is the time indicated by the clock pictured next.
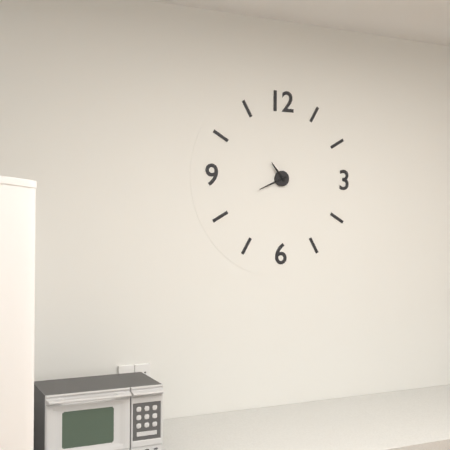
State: 10:41
